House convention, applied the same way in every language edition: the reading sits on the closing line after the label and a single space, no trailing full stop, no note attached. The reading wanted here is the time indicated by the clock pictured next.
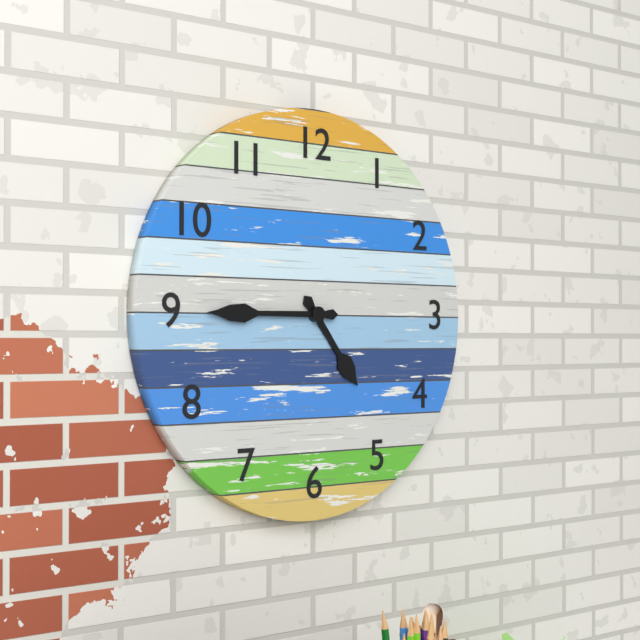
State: 4:45
